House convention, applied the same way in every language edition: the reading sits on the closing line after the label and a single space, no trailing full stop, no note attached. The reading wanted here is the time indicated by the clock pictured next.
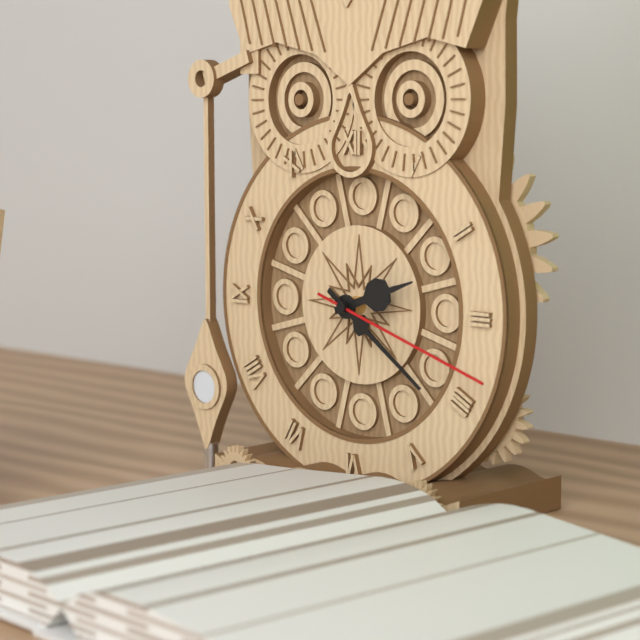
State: 2:21:18
